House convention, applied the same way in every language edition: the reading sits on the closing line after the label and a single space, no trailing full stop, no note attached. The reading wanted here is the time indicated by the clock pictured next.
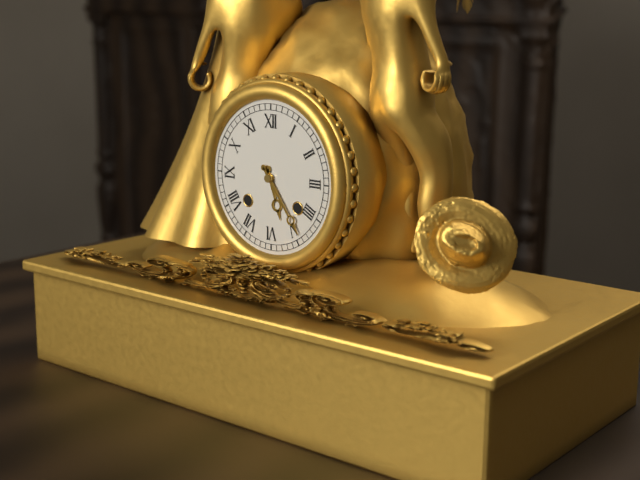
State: 5:24
